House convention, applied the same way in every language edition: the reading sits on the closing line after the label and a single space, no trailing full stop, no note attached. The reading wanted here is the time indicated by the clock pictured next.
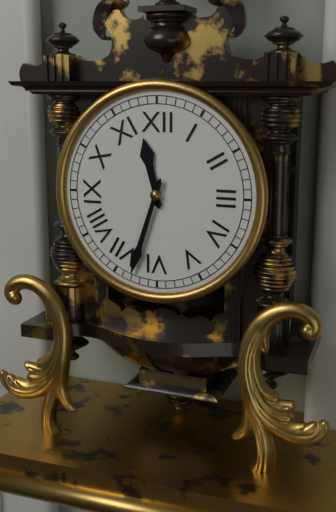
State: 11:33
